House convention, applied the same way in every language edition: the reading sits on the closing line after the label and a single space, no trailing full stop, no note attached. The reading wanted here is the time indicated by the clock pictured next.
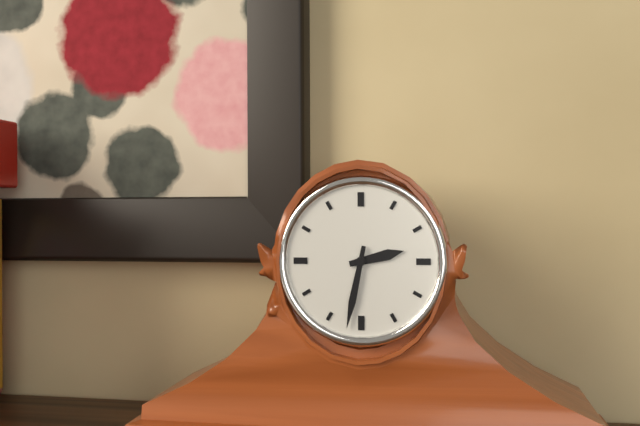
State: 2:32
